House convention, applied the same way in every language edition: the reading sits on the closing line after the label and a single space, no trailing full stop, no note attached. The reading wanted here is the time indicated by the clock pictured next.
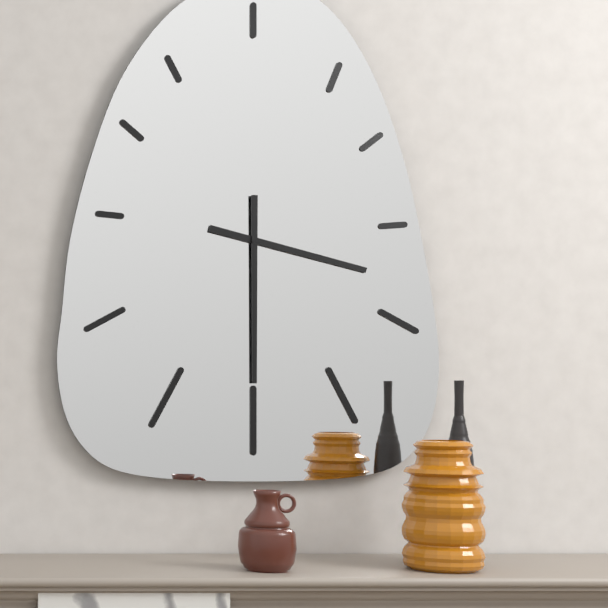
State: 3:30
